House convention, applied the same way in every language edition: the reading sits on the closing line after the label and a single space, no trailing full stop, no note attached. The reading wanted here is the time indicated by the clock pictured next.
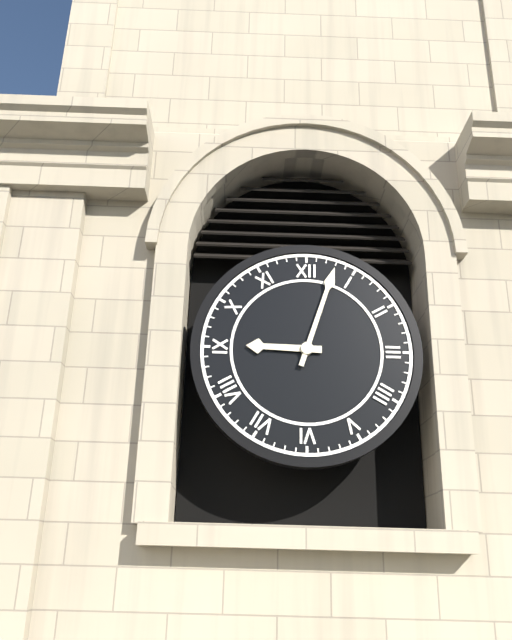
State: 9:03
